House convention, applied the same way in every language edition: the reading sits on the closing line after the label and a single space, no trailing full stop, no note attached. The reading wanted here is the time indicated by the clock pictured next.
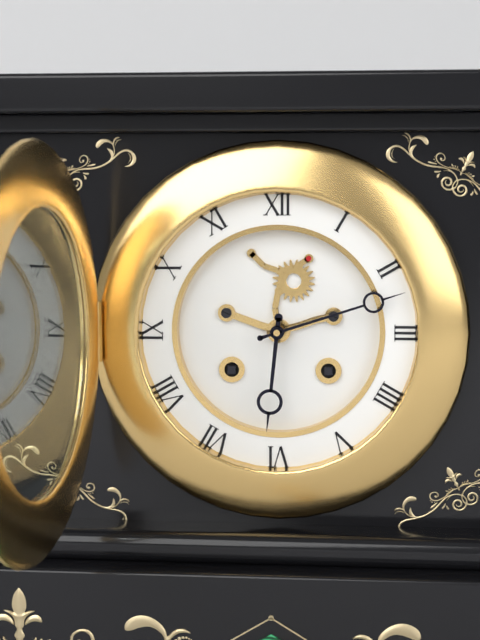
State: 6:12
